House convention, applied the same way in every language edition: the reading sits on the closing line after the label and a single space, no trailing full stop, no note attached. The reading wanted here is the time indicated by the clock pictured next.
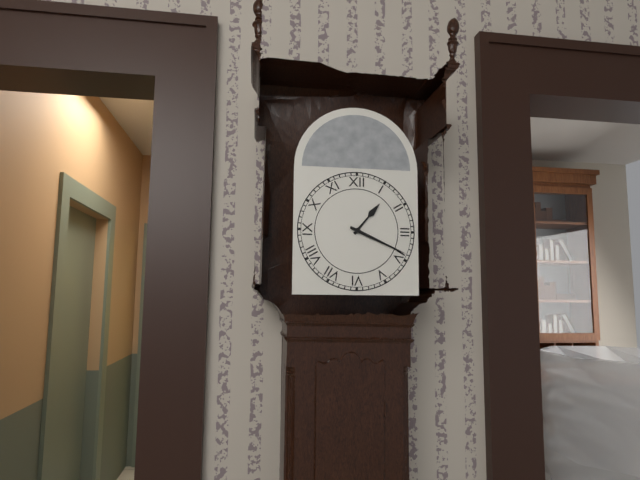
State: 1:19
